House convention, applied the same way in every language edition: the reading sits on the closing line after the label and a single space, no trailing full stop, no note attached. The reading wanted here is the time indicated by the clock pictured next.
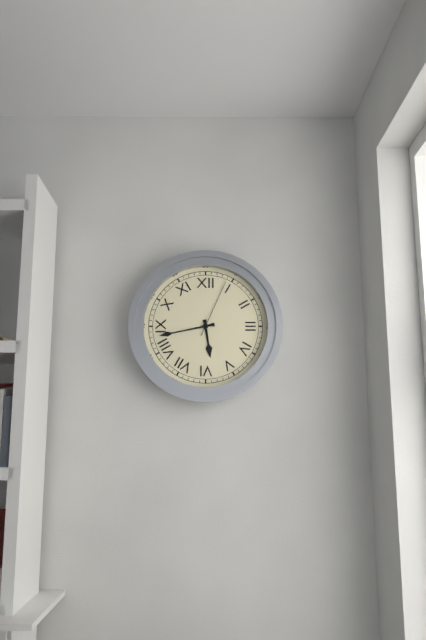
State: 5:43:04
